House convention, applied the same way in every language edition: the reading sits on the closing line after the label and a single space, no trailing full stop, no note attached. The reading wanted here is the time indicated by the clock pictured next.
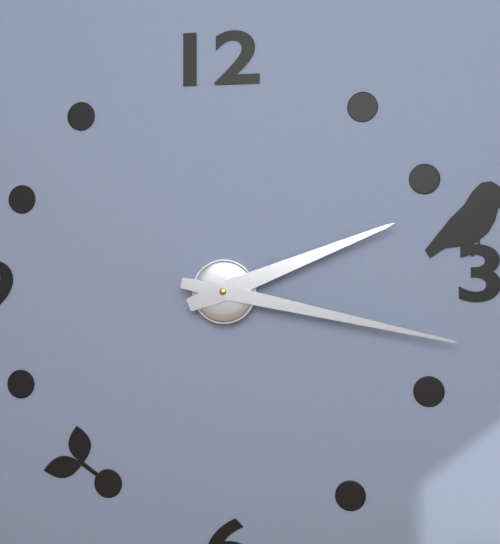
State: 2:17
